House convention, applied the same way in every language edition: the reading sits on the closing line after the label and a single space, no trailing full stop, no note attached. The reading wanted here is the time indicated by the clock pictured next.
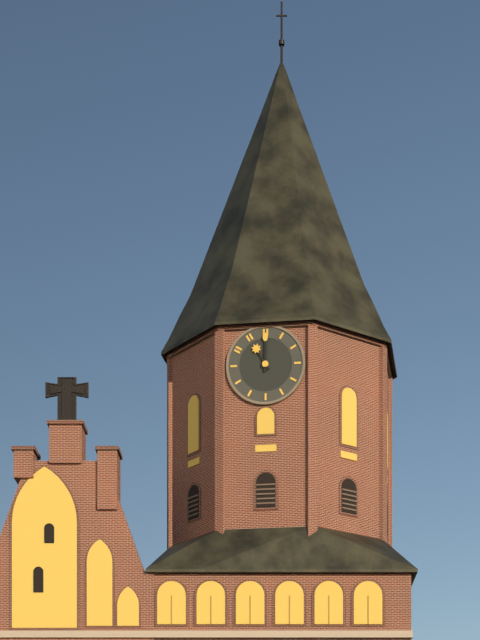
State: 11:00
